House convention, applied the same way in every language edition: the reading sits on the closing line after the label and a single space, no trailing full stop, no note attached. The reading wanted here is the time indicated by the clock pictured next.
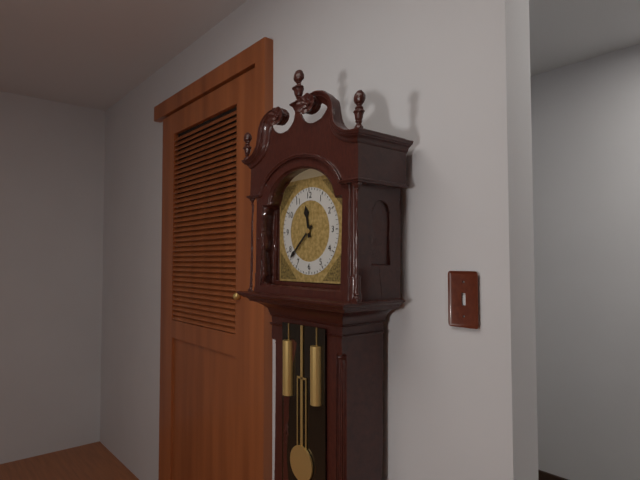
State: 11:38
